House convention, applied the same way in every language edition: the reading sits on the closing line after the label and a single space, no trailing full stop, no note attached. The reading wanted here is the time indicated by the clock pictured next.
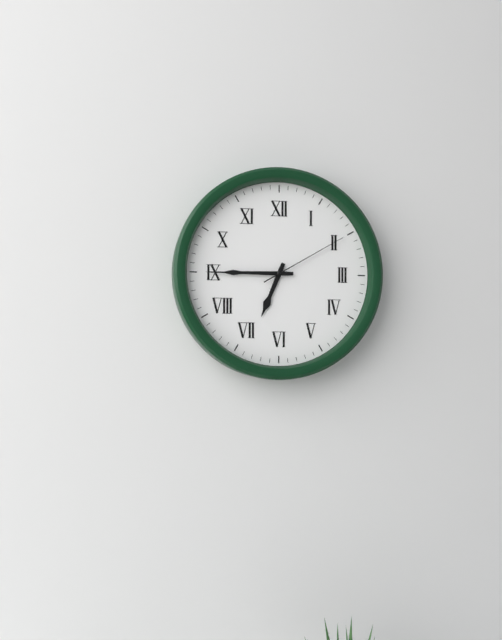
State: 6:45:10
